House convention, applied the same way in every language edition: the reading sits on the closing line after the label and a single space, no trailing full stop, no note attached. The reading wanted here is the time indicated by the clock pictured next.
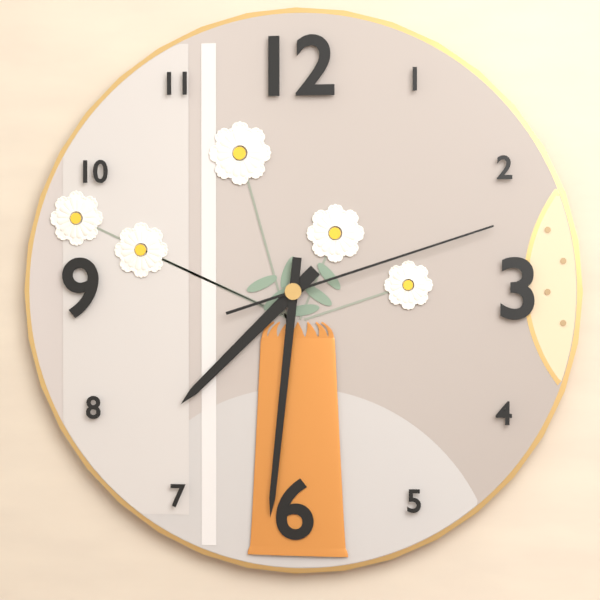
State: 7:31:12
